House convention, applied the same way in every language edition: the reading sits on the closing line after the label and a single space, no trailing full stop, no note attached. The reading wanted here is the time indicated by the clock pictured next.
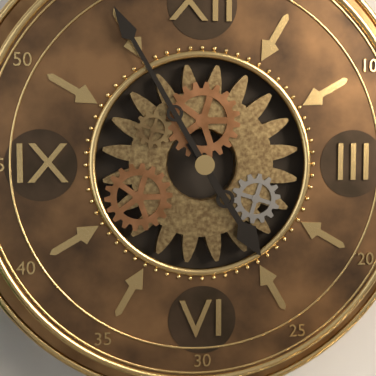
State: 4:55
